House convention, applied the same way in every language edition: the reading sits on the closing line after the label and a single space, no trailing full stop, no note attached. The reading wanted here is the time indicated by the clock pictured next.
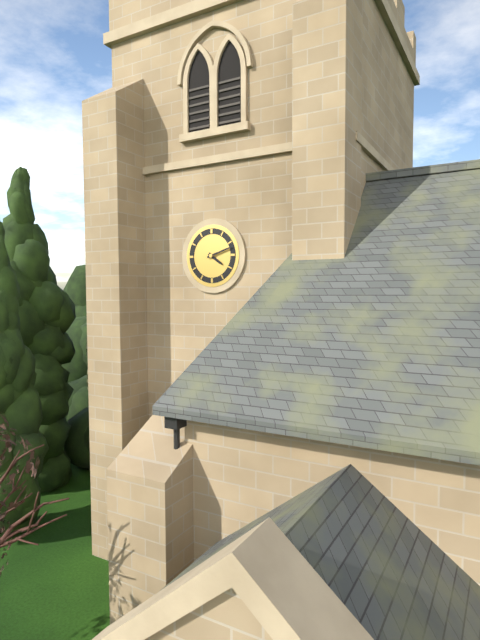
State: 4:12
